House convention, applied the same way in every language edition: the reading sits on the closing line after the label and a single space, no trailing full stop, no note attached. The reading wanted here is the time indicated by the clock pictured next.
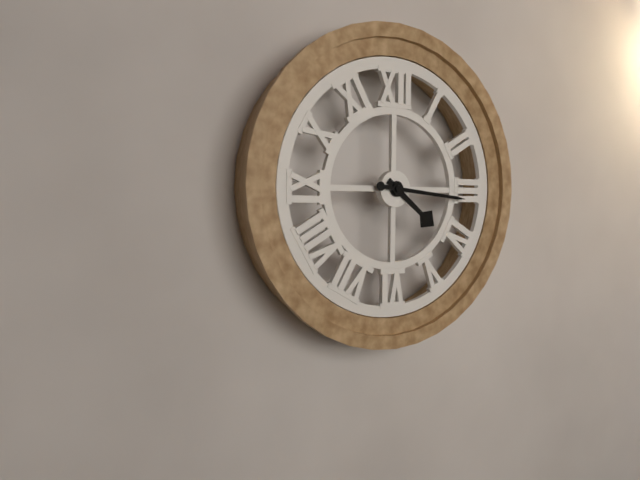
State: 4:16
